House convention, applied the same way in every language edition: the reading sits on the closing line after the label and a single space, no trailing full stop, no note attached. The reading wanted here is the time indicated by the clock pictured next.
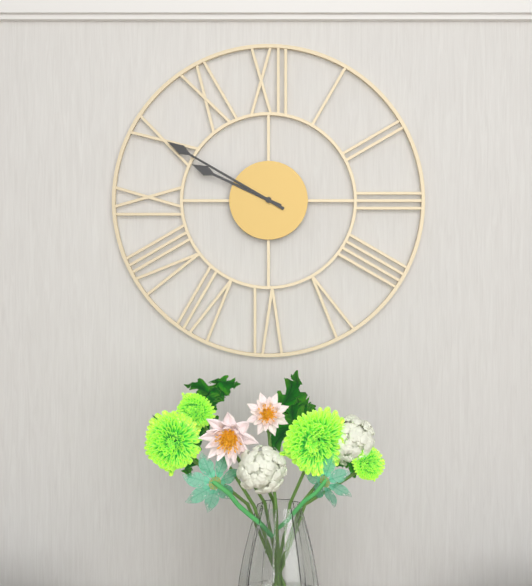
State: 9:50
